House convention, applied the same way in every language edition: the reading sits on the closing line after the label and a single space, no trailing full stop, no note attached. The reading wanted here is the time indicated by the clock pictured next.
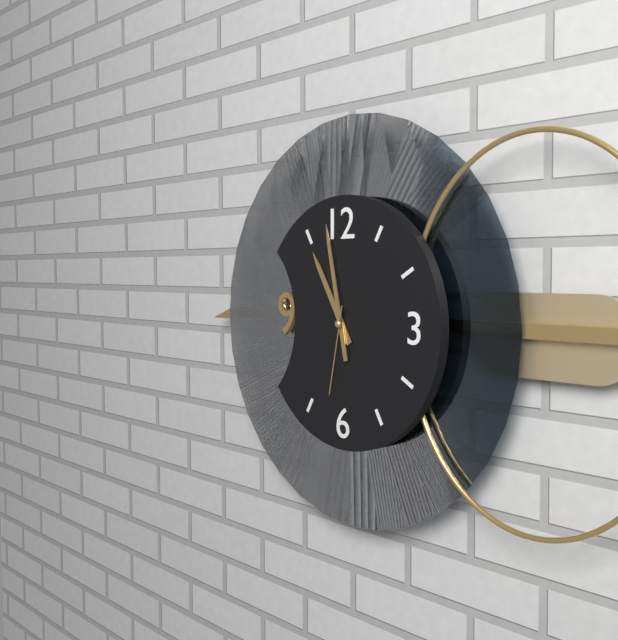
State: 10:58:32
